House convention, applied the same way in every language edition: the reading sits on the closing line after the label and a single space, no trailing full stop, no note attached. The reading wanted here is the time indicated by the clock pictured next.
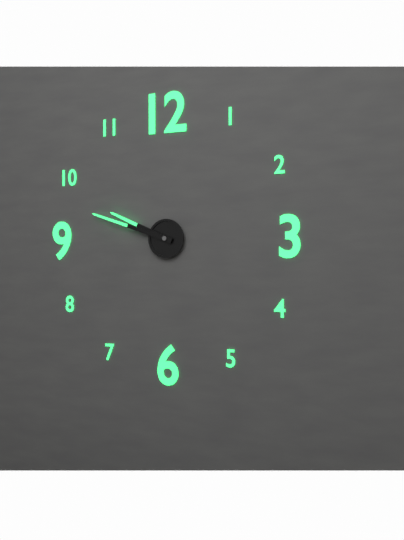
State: 9:48
